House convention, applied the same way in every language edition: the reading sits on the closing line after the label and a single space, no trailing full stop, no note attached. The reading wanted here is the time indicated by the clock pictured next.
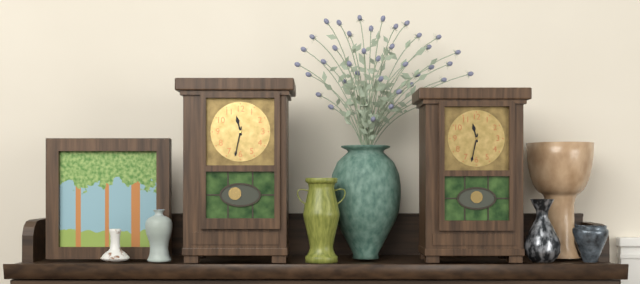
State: 11:32
